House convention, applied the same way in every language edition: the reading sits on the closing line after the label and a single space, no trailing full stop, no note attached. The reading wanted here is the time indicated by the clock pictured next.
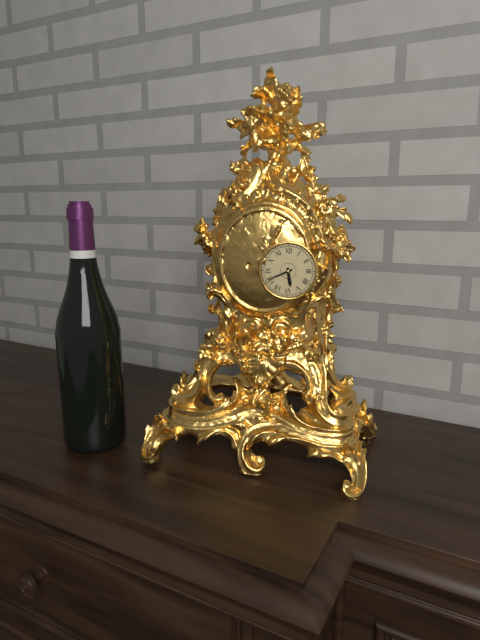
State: 5:41
